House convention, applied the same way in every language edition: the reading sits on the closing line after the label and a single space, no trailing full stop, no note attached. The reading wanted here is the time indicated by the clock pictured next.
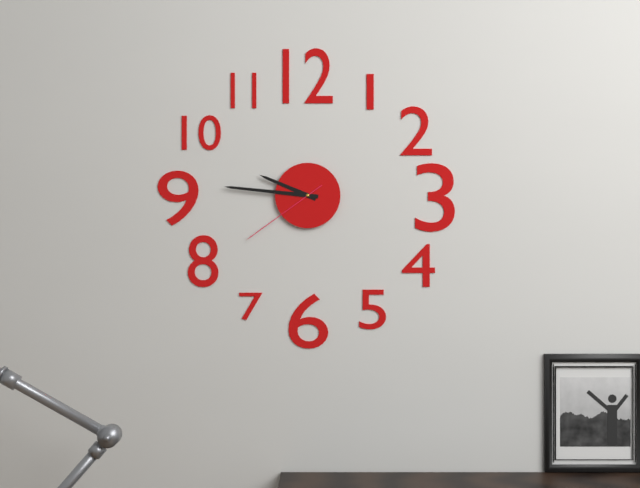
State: 9:46:39
